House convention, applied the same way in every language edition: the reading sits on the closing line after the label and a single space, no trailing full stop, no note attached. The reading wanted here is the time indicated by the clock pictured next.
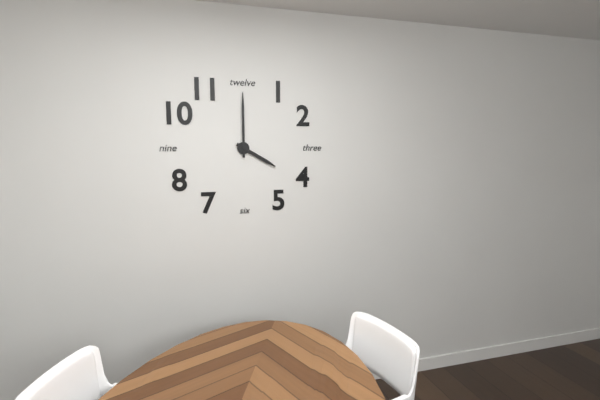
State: 4:00
